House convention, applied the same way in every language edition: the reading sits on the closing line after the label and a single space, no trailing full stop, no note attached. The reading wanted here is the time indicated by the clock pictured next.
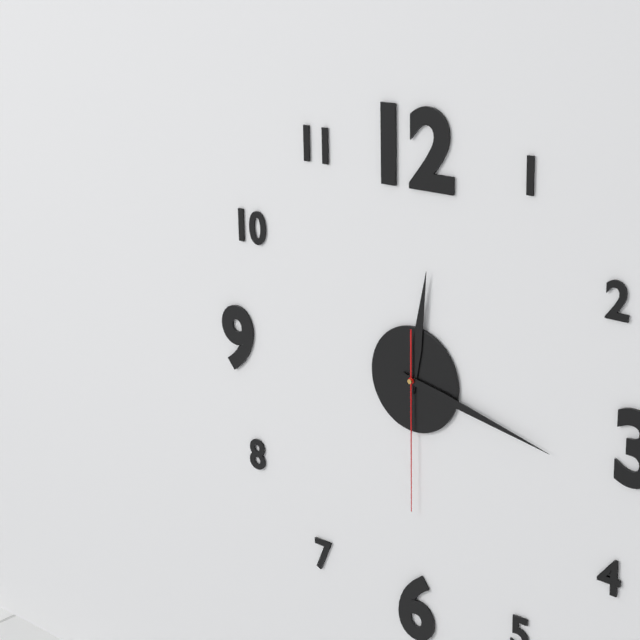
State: 12:17:30
